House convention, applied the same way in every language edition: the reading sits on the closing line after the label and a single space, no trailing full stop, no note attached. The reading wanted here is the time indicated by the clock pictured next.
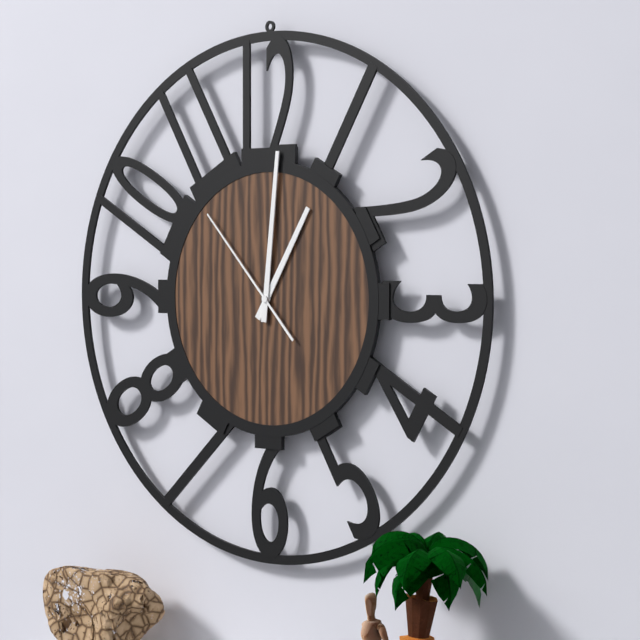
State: 1:01:53
